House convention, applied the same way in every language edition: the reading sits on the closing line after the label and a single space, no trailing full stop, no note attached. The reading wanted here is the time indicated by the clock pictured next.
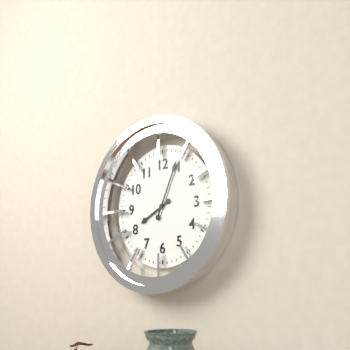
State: 8:04
